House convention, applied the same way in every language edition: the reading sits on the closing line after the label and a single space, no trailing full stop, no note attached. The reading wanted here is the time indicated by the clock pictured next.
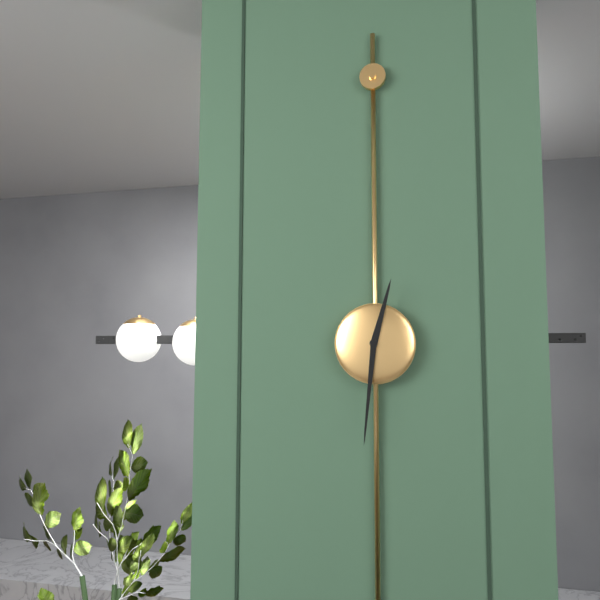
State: 12:31
